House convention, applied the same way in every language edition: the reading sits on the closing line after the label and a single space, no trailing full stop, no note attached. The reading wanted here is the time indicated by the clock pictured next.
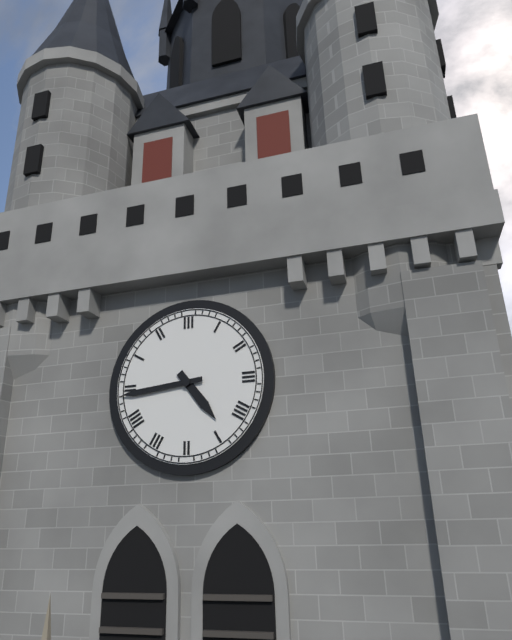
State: 4:44
